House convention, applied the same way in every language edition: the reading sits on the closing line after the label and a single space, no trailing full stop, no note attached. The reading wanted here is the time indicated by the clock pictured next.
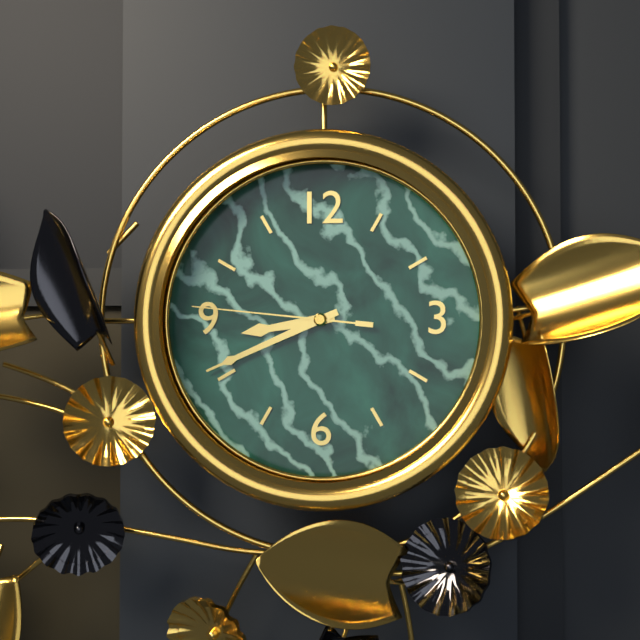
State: 8:41:46
